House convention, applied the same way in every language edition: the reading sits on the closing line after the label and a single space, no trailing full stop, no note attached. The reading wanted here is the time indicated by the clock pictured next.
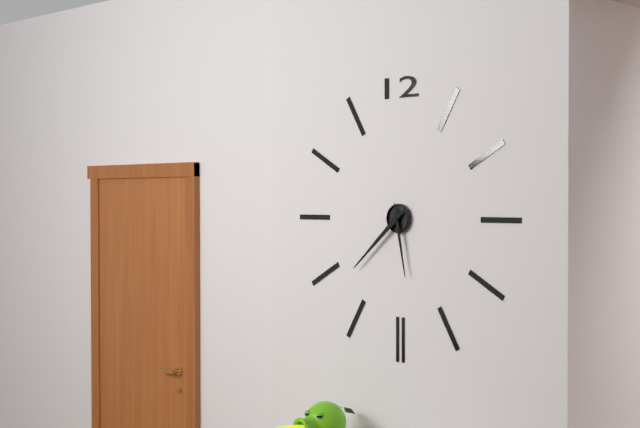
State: 5:38
